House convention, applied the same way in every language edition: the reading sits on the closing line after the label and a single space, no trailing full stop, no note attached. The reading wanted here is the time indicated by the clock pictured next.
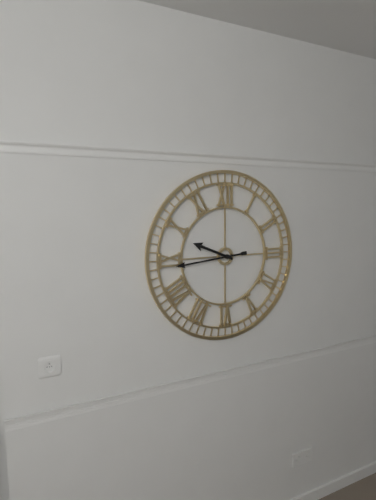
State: 9:44
